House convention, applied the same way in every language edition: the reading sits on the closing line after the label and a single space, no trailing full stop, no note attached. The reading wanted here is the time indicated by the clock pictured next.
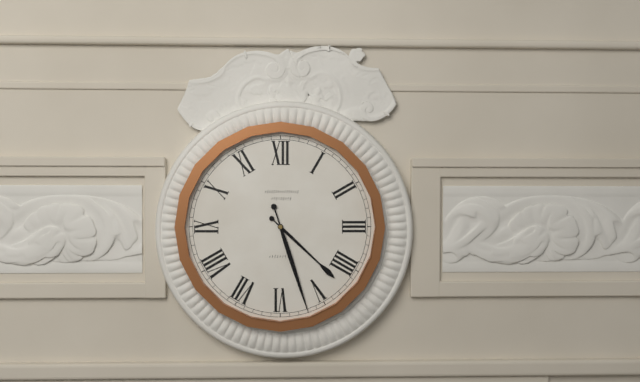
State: 4:27
